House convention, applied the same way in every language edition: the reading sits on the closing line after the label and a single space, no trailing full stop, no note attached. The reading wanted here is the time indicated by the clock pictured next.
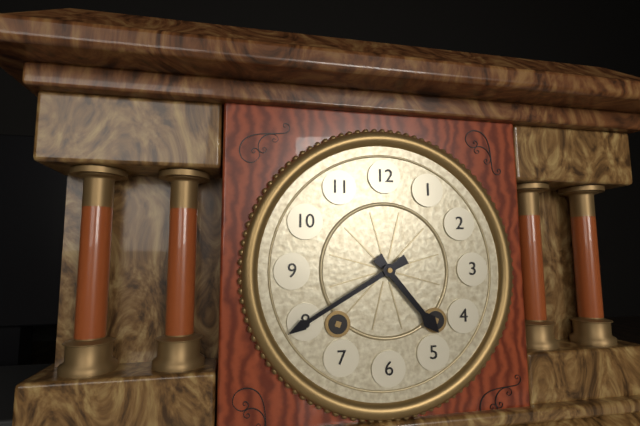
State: 4:40
